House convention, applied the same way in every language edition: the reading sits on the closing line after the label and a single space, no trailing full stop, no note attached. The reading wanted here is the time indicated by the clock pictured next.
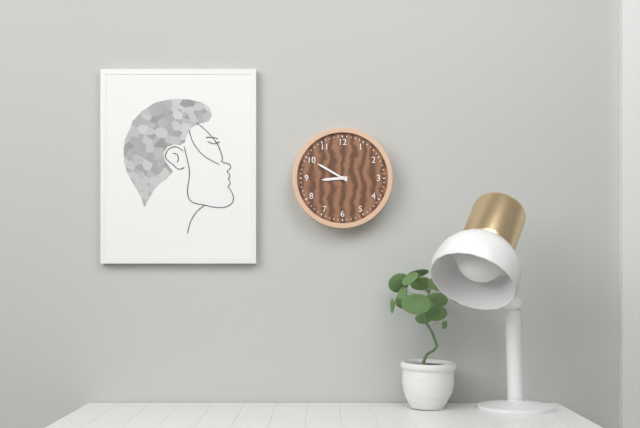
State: 8:50
